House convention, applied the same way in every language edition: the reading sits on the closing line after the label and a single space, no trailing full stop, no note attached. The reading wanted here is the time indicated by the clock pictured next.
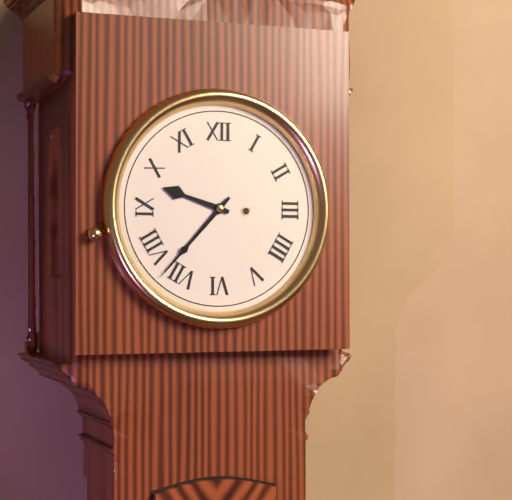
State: 9:37
